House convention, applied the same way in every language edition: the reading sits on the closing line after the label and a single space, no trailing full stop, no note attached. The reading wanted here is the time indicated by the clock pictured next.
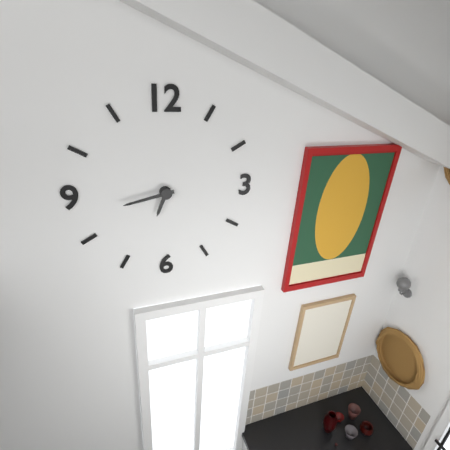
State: 6:43
